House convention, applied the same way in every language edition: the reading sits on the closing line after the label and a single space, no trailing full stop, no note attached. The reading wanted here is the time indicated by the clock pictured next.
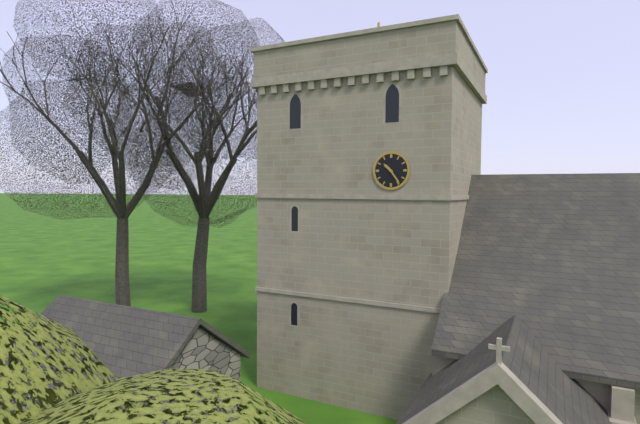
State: 10:24
